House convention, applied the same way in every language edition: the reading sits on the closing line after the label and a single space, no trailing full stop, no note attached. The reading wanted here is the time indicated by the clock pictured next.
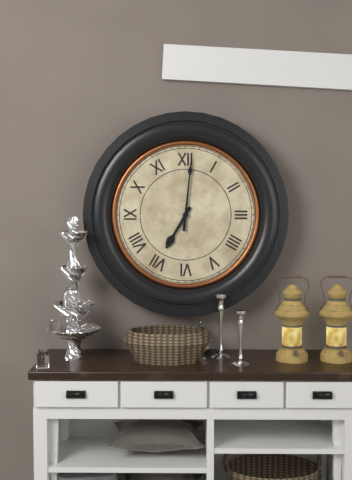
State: 7:01
